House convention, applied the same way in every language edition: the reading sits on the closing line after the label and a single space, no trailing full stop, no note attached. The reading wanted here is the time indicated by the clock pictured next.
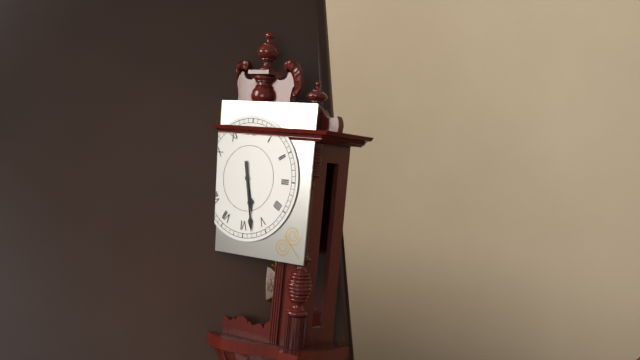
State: 5:28
